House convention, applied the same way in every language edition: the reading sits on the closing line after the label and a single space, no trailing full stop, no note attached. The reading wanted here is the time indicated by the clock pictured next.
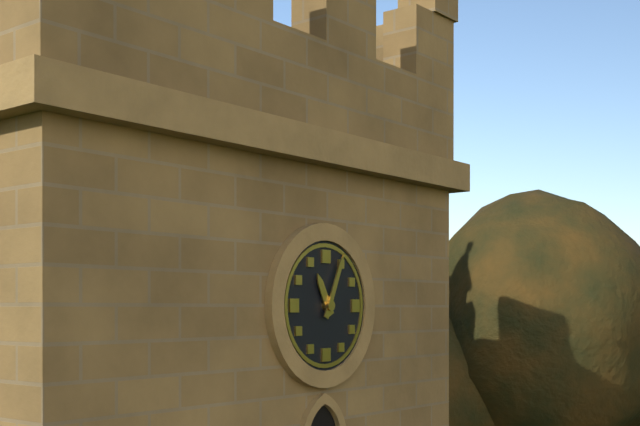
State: 11:04
